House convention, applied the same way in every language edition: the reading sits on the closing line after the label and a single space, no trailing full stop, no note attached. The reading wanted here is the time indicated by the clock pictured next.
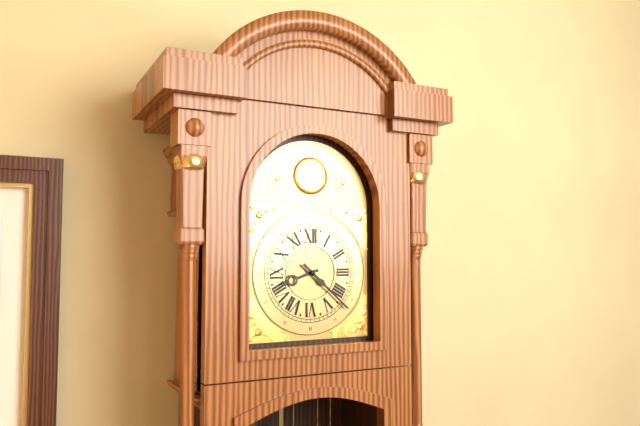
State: 8:22
